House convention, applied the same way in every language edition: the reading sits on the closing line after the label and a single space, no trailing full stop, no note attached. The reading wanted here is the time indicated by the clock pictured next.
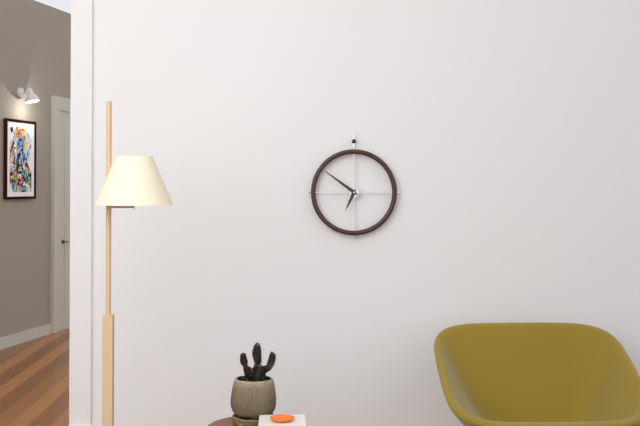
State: 6:51
